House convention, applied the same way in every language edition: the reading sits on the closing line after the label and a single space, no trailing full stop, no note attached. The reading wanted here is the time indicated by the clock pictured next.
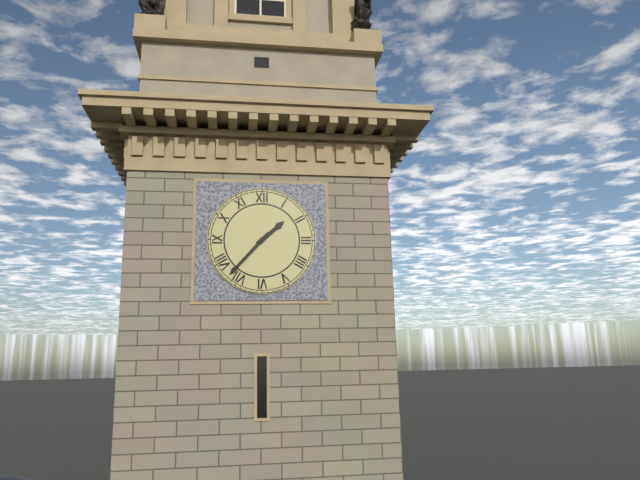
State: 1:37
